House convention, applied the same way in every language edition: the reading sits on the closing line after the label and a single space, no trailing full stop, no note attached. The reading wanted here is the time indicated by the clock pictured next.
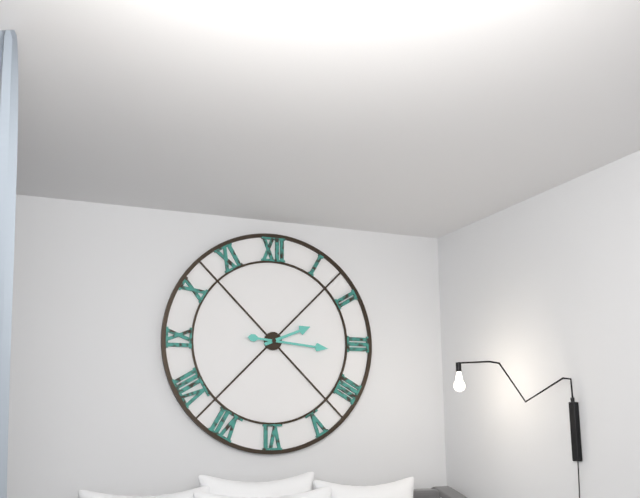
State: 2:16
